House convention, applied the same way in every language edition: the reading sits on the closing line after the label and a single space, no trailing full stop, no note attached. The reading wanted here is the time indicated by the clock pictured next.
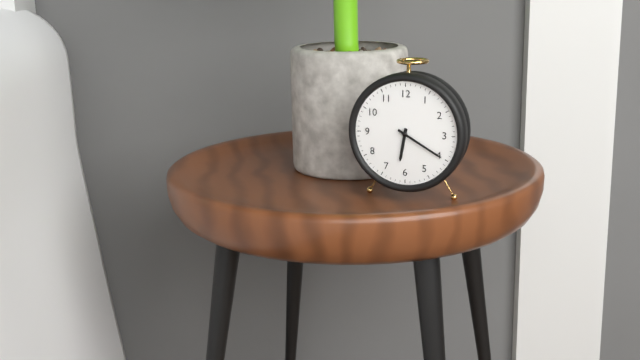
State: 6:20
